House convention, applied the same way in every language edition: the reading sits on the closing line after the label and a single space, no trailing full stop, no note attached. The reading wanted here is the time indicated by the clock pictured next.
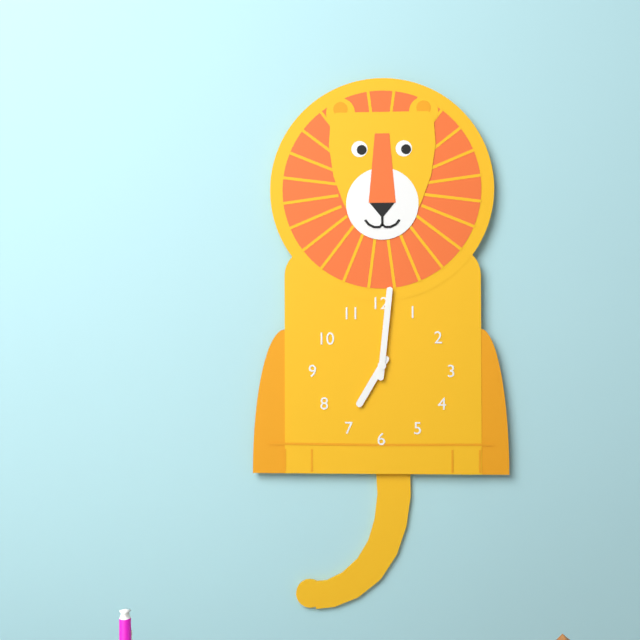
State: 7:01
